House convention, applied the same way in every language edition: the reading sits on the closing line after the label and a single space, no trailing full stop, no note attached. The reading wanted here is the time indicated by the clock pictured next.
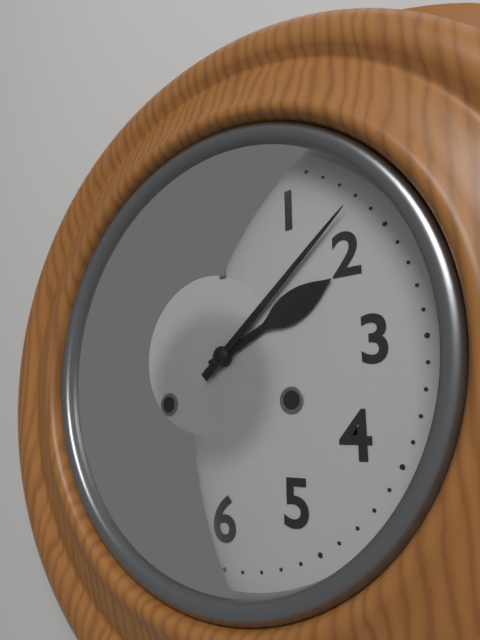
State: 2:08
